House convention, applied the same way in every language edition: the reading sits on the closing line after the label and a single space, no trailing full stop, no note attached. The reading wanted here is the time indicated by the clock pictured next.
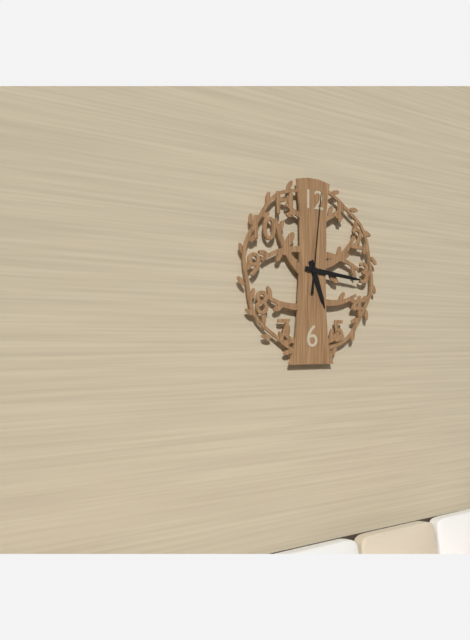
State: 5:16:01
